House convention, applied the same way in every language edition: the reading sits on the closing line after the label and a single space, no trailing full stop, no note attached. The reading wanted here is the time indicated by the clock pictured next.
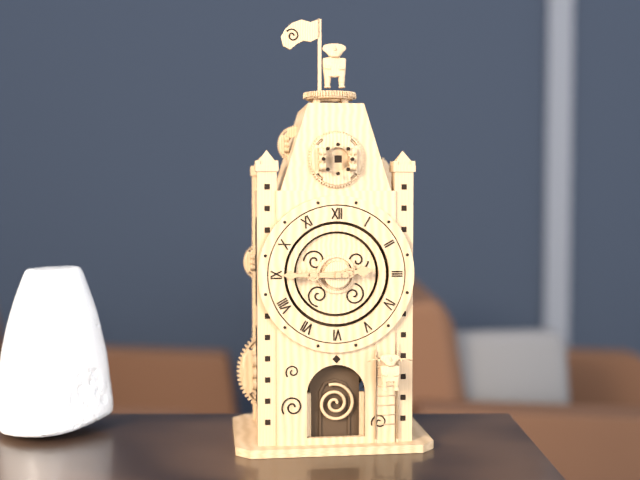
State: 2:45
